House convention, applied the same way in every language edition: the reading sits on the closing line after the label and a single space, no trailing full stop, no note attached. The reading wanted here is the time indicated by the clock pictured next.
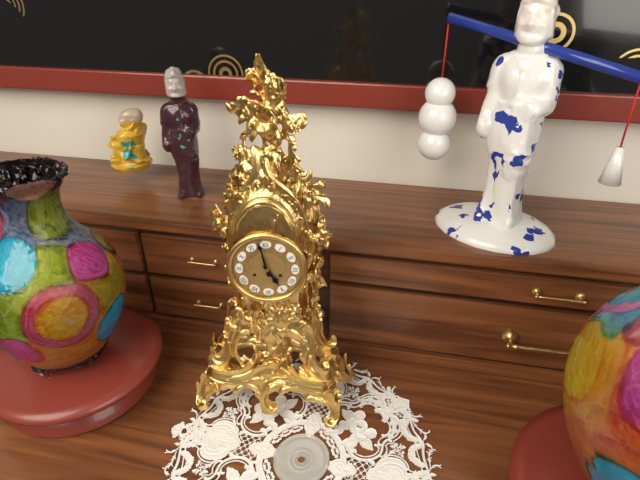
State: 4:58
